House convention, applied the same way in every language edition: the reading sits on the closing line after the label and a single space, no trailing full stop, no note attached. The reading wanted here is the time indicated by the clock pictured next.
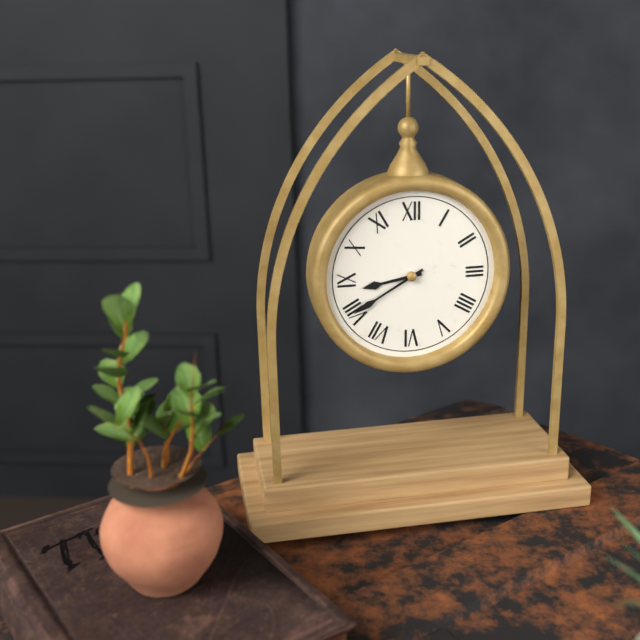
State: 8:40
